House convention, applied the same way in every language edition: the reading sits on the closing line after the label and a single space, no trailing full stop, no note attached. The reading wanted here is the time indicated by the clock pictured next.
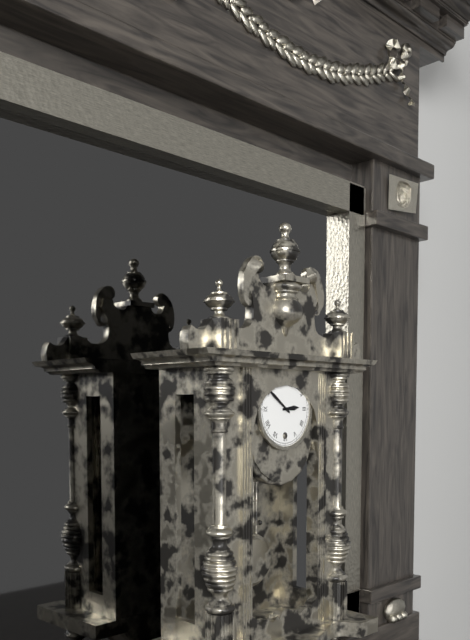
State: 2:51
